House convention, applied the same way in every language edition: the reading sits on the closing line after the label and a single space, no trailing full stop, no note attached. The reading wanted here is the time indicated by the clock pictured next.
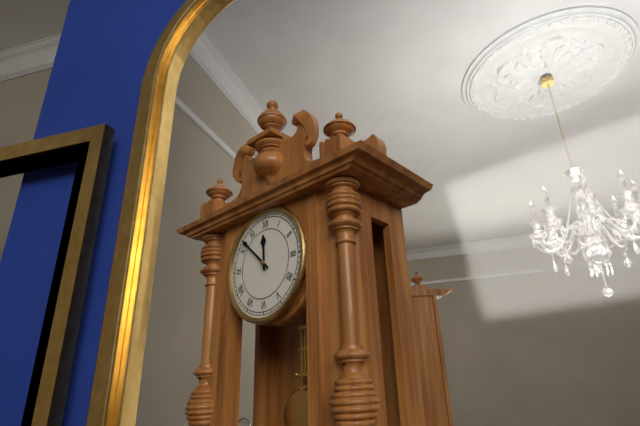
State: 11:52
